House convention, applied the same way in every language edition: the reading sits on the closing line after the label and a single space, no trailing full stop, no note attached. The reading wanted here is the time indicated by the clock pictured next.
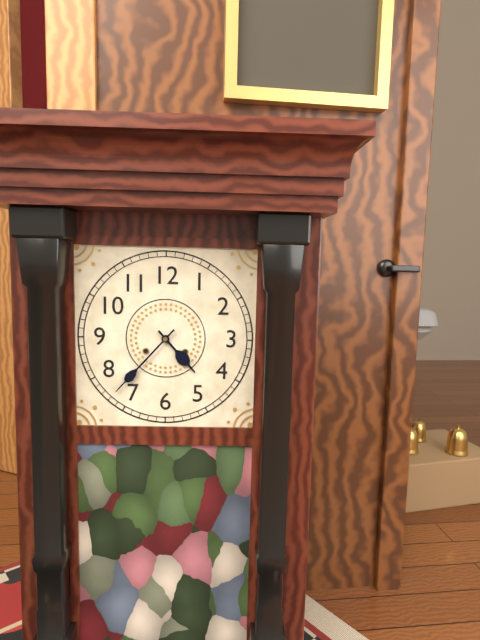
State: 4:37
